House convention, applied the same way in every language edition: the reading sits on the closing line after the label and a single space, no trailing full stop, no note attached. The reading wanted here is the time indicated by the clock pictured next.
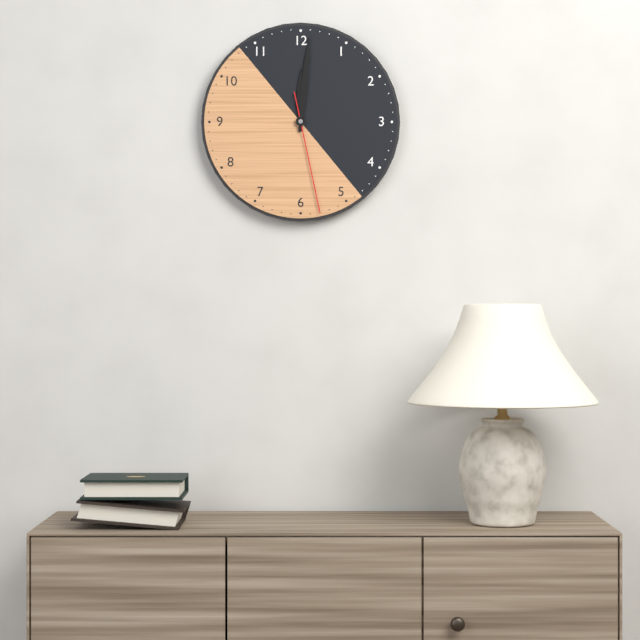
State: 12:01:28
